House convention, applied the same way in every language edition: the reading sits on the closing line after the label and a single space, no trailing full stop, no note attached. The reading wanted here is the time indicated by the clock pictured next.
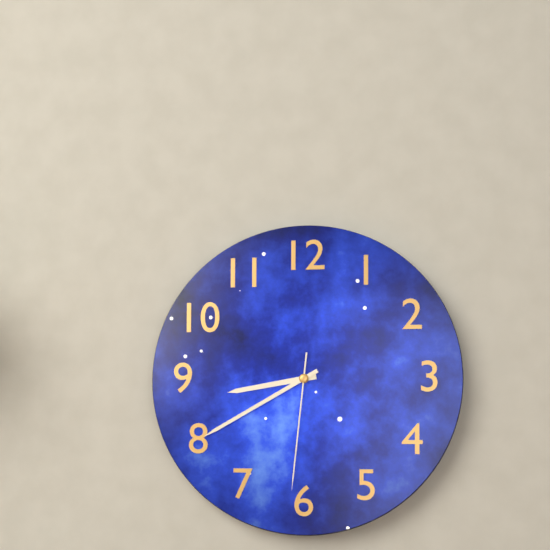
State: 8:40:31
